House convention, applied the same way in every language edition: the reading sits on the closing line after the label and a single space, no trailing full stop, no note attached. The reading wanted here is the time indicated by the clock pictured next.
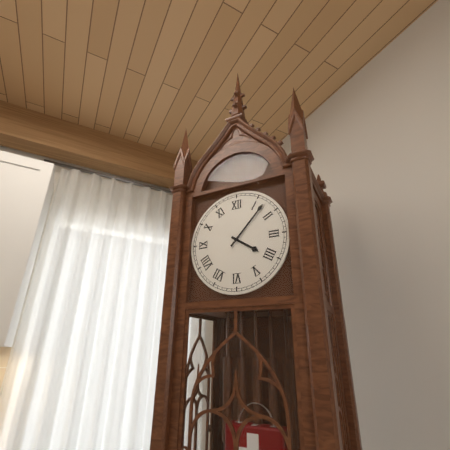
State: 4:07
